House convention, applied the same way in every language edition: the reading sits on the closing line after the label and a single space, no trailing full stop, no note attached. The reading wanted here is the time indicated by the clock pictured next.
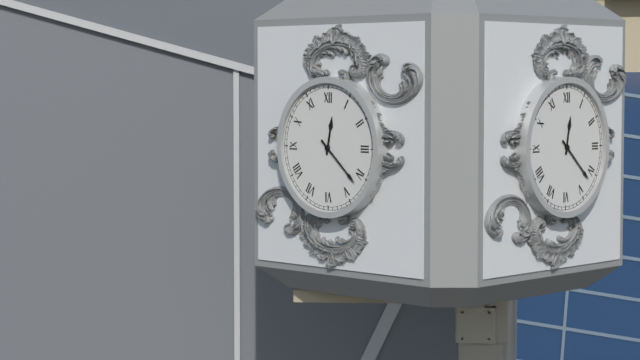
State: 12:22
